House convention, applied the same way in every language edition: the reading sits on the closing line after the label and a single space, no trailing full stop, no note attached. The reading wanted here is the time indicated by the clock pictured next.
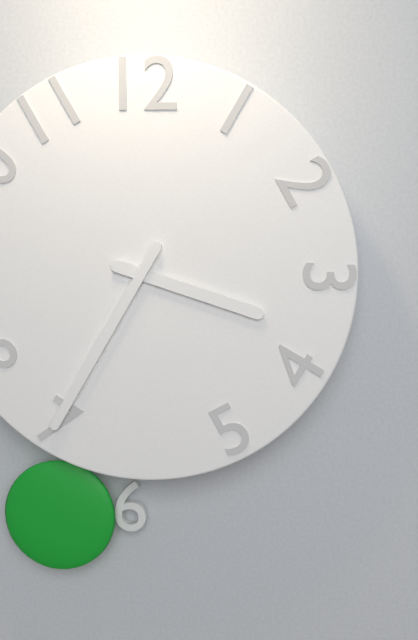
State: 3:35
